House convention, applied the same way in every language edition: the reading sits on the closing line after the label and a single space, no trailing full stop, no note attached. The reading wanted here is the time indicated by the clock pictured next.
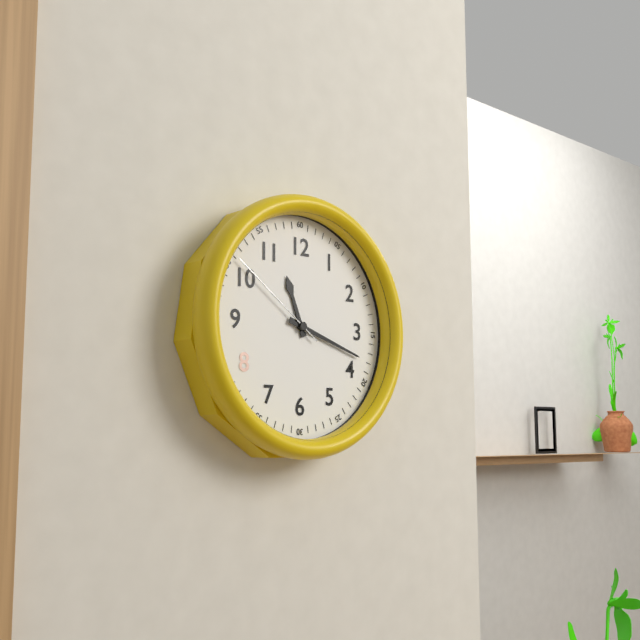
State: 11:18:51
